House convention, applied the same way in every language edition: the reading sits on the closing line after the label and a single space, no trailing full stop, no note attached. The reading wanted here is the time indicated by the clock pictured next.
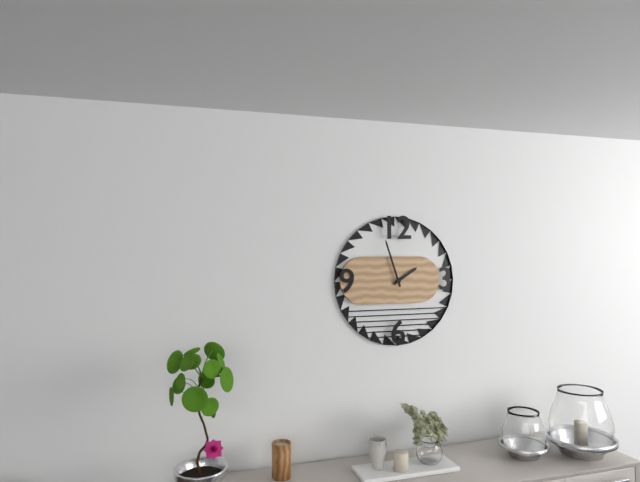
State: 1:57
